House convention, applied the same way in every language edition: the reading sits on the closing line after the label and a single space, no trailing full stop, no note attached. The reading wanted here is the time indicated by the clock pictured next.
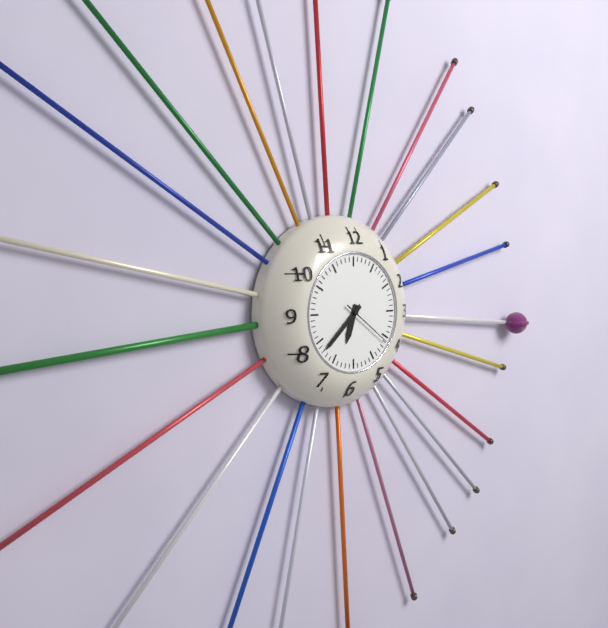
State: 6:38:21
